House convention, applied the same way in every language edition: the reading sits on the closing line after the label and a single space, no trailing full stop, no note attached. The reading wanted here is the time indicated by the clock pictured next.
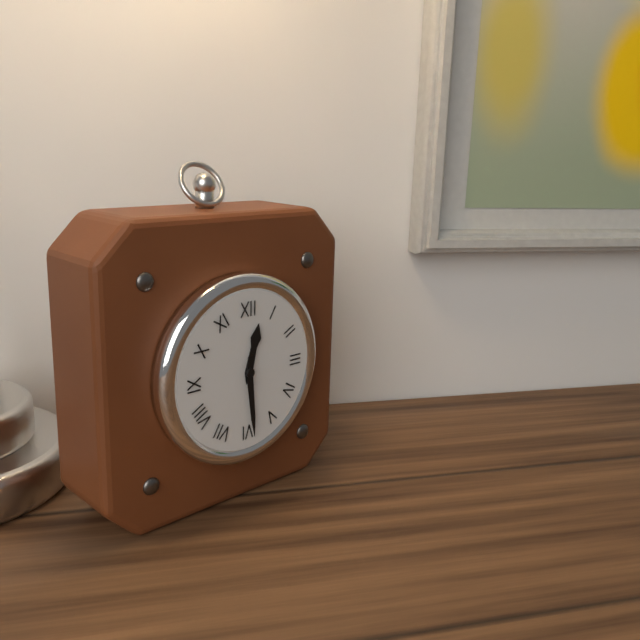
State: 12:29
